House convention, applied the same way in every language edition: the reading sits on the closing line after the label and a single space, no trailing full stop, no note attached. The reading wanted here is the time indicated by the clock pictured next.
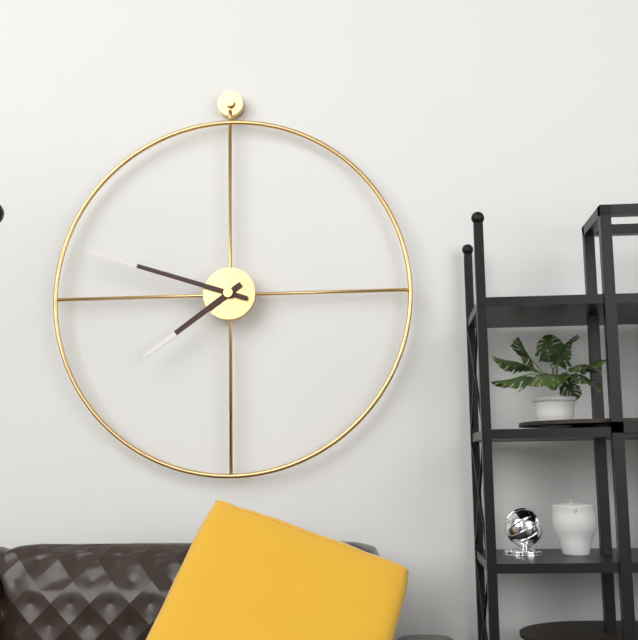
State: 7:48
